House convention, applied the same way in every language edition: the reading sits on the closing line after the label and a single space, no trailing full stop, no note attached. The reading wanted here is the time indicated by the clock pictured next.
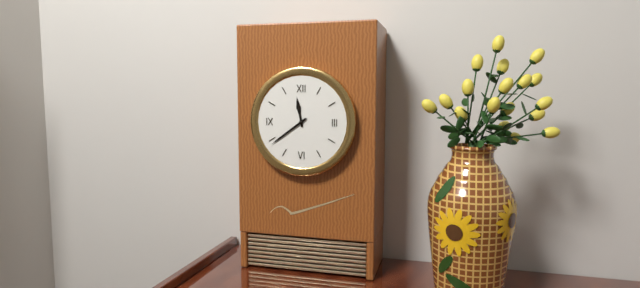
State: 11:39
